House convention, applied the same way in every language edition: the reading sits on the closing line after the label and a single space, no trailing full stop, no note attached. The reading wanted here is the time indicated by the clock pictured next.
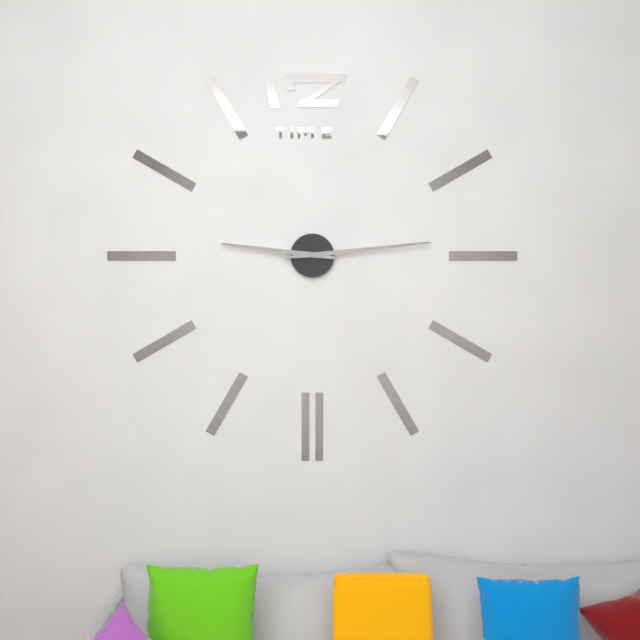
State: 9:14
